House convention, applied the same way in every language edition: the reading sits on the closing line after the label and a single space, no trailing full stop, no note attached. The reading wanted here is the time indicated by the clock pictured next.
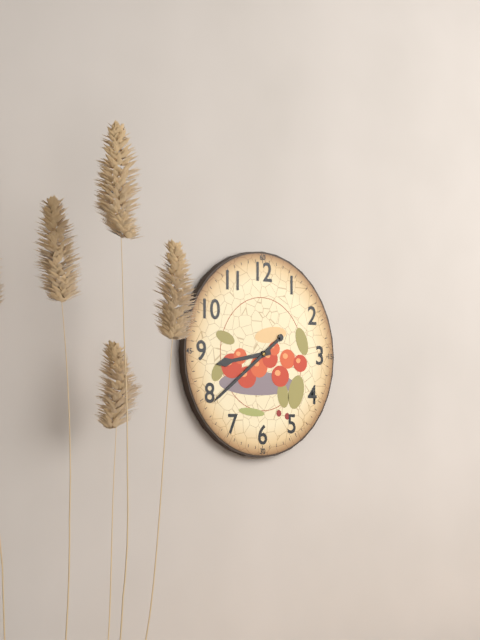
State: 8:39
